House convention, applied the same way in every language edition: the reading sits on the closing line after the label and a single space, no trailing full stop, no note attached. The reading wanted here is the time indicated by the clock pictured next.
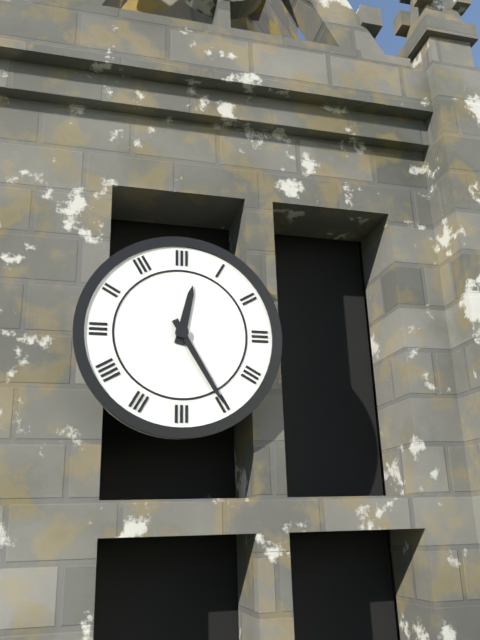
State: 12:25
